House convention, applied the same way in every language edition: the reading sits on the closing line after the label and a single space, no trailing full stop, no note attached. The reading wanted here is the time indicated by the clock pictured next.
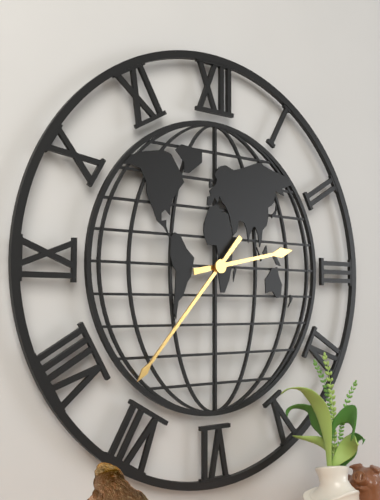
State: 2:37
